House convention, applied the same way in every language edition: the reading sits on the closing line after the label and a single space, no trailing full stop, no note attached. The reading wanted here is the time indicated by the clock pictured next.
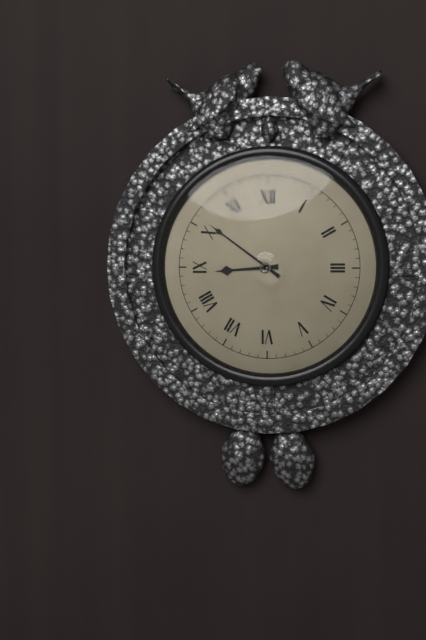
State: 8:51
